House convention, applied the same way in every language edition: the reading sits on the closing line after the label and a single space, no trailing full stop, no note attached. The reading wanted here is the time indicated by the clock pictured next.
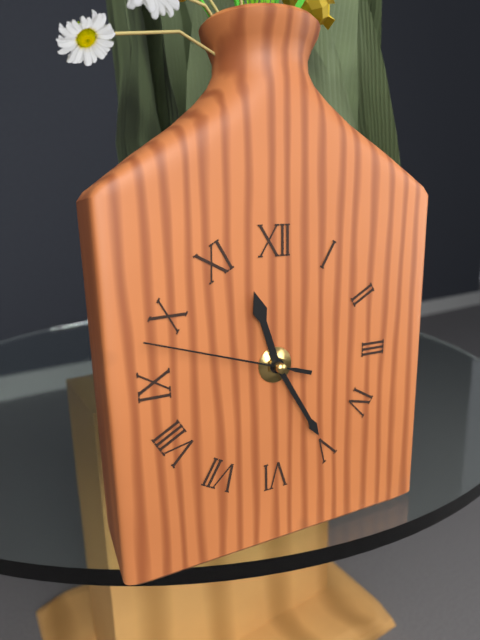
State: 11:25:48
